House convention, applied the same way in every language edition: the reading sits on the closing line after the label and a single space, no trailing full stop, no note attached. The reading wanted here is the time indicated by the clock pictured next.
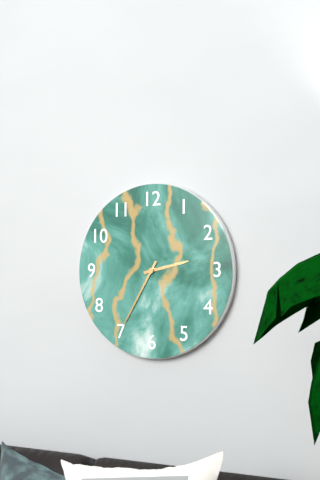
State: 2:35
